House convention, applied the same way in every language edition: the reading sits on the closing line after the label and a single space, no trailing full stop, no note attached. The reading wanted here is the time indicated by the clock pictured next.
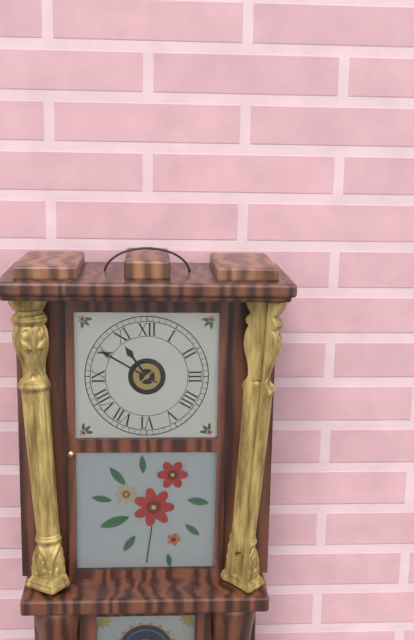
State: 10:50
